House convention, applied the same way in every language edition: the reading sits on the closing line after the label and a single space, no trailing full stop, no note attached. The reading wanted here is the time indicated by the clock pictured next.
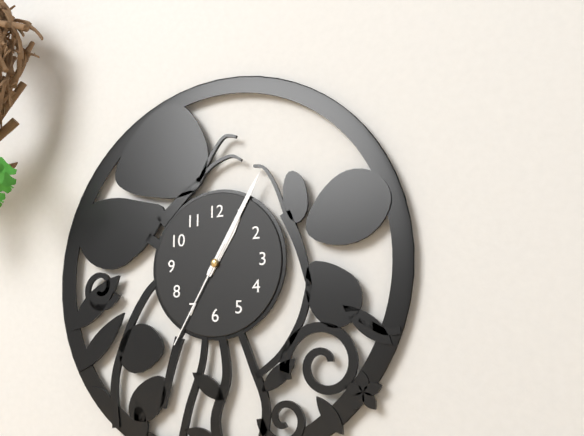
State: 1:05:35
